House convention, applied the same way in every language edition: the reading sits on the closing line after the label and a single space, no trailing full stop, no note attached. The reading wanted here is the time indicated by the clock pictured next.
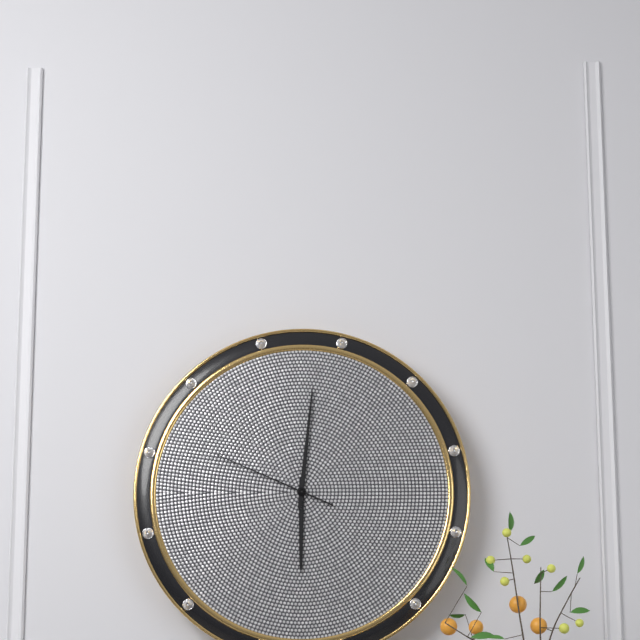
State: 6:01:49
